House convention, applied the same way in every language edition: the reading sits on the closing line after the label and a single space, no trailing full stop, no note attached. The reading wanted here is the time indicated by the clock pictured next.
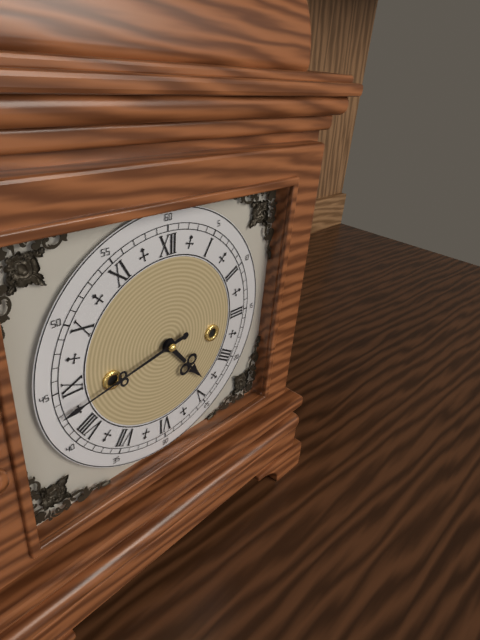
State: 4:43
